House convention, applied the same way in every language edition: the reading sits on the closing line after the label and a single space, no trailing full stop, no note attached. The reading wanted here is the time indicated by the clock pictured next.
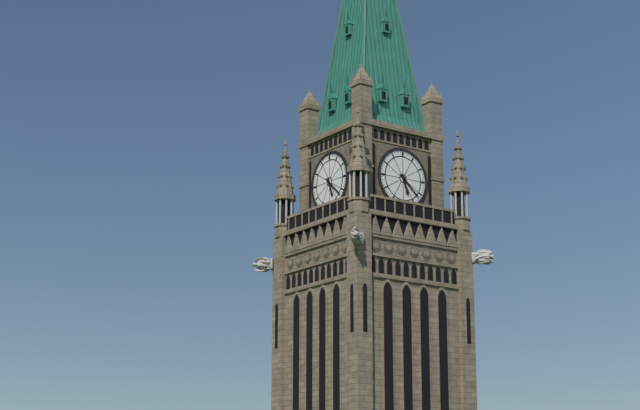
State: 5:22
